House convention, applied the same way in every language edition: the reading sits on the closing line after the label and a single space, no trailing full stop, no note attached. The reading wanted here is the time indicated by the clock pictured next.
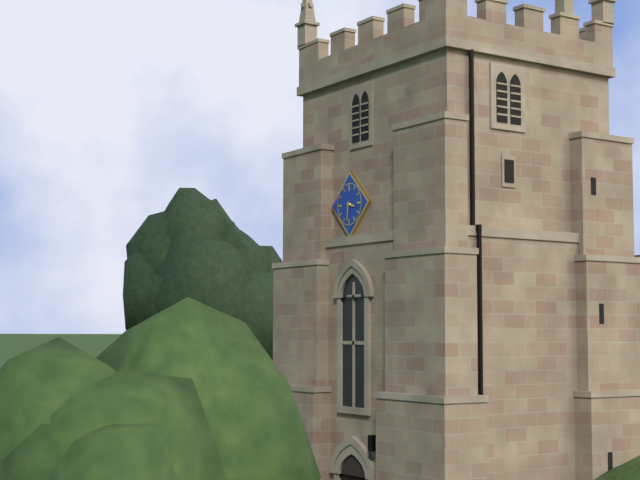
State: 3:31
